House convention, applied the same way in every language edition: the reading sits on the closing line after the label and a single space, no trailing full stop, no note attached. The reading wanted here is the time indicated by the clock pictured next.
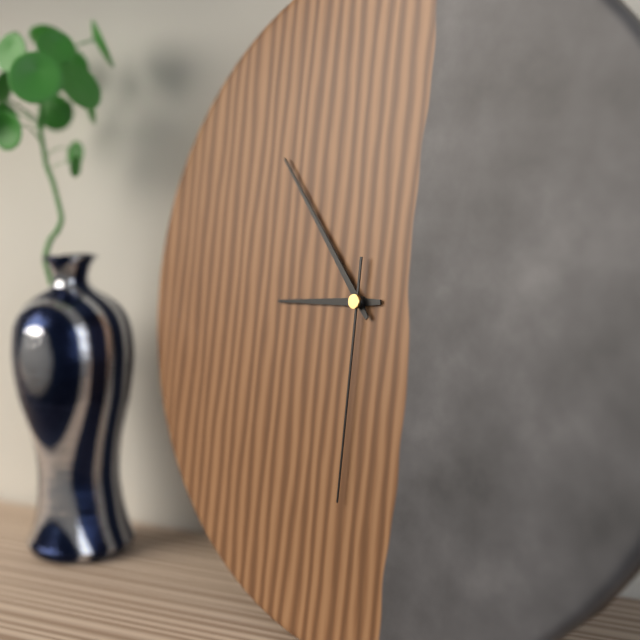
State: 8:53:30
